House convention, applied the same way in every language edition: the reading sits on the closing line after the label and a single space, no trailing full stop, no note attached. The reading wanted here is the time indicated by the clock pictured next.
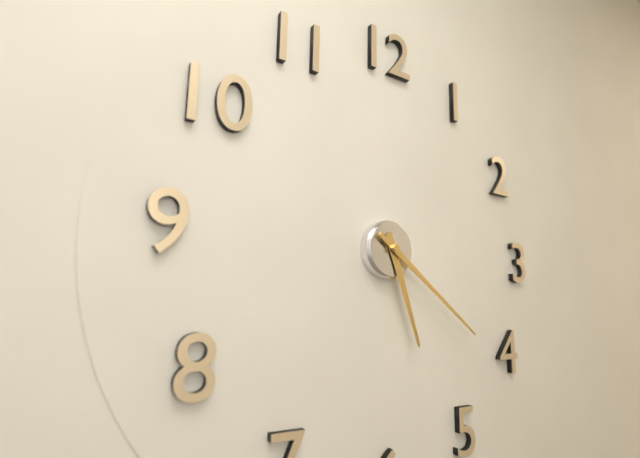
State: 5:21
